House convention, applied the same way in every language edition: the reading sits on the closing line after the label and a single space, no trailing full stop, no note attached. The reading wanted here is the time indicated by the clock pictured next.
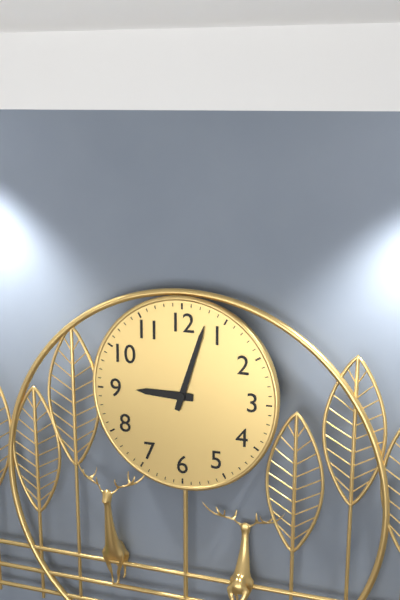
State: 9:03
